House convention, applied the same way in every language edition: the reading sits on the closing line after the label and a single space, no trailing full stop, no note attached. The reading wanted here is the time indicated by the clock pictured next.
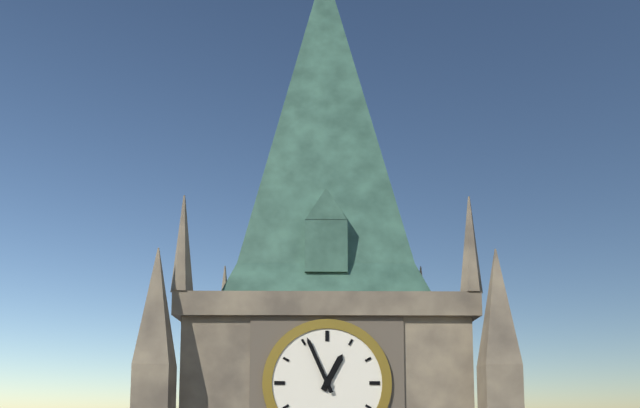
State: 12:56
